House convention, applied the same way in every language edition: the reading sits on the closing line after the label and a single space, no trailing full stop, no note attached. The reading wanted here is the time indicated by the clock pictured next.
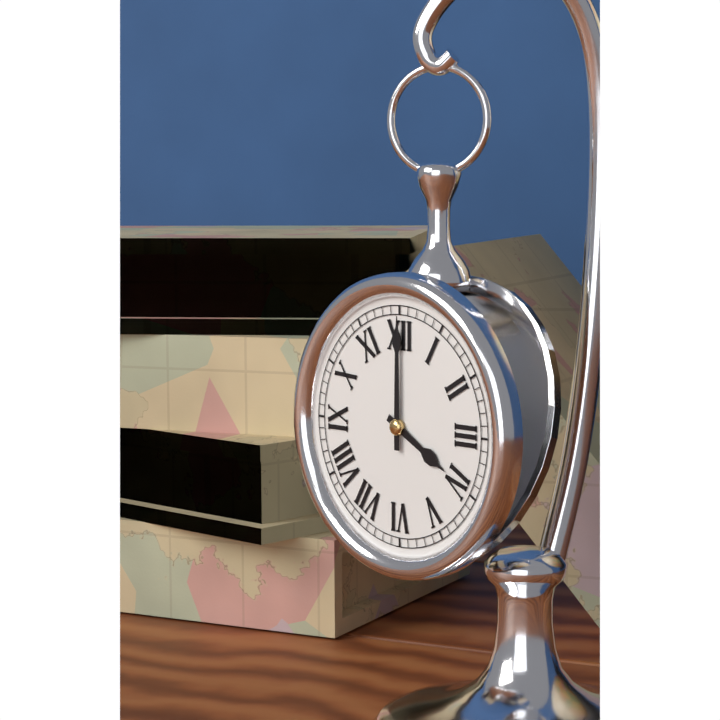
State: 4:00
